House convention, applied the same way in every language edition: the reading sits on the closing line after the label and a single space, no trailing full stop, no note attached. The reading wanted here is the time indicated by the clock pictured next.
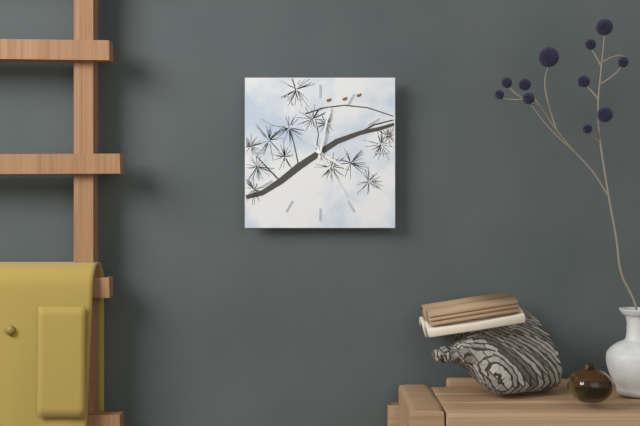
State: 4:02:25
